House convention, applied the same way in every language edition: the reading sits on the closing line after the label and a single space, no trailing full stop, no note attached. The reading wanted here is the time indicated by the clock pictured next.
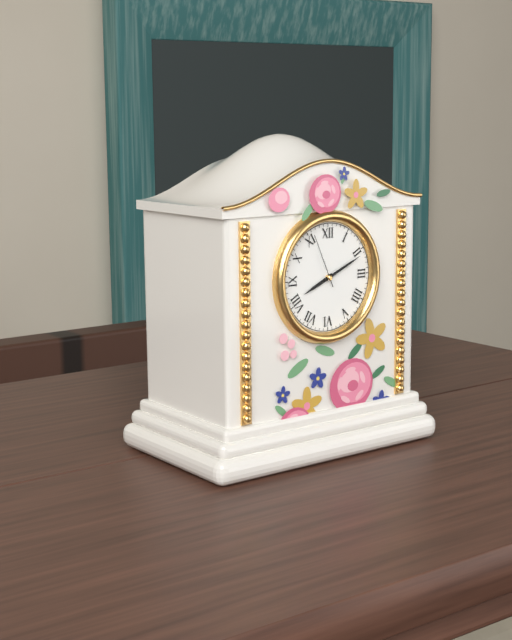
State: 8:11:56
